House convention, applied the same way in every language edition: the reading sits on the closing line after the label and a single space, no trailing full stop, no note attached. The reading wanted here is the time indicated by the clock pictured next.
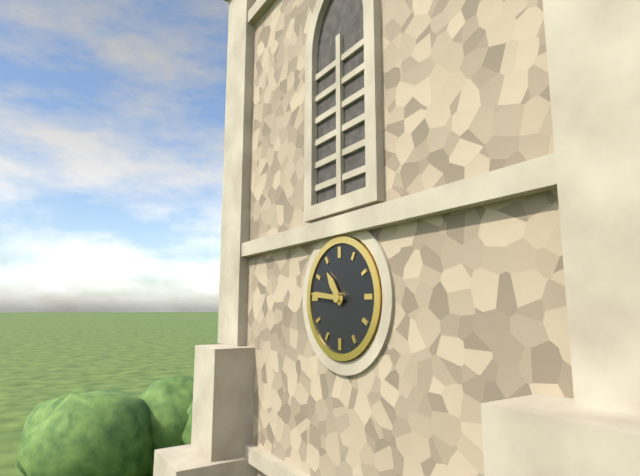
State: 10:46
